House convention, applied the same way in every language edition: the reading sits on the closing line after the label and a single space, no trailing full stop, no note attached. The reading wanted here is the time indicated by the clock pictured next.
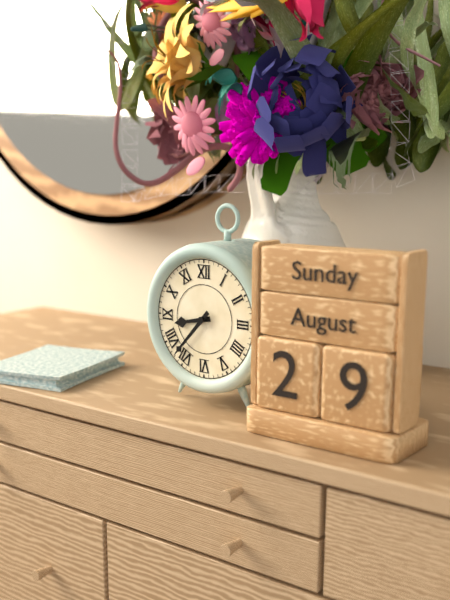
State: 8:37
